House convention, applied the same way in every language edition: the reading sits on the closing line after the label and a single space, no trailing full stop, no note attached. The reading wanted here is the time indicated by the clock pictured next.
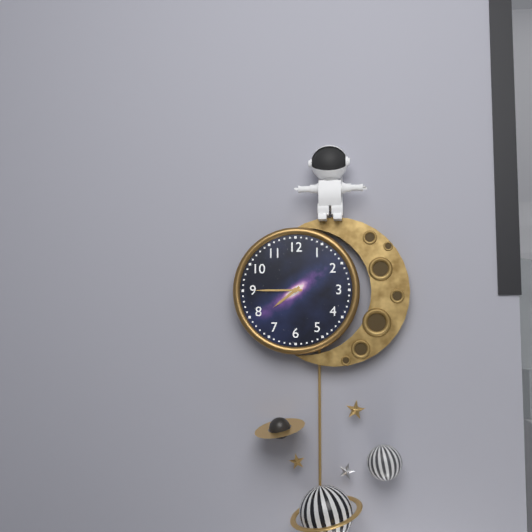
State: 7:45
